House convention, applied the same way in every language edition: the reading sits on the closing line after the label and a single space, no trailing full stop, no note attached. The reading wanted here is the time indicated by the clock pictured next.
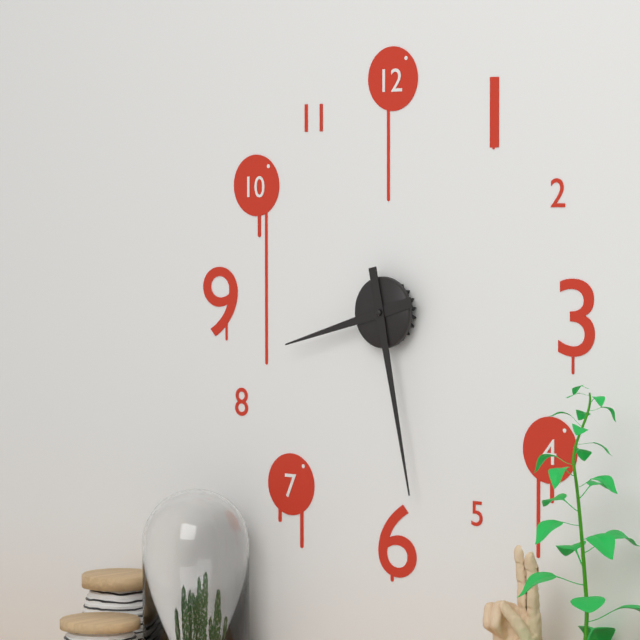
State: 8:28
